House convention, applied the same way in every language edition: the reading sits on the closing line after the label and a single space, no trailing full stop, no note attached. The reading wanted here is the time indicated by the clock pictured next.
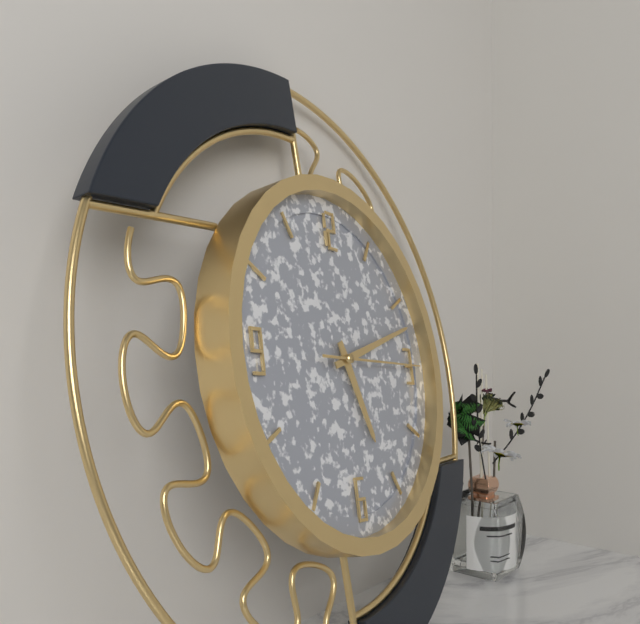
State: 5:12:15
